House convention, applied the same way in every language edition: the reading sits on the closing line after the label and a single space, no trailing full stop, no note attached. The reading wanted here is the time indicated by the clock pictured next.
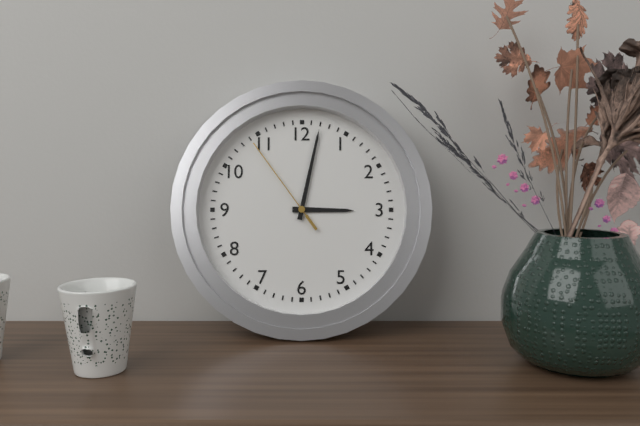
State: 3:02:54
